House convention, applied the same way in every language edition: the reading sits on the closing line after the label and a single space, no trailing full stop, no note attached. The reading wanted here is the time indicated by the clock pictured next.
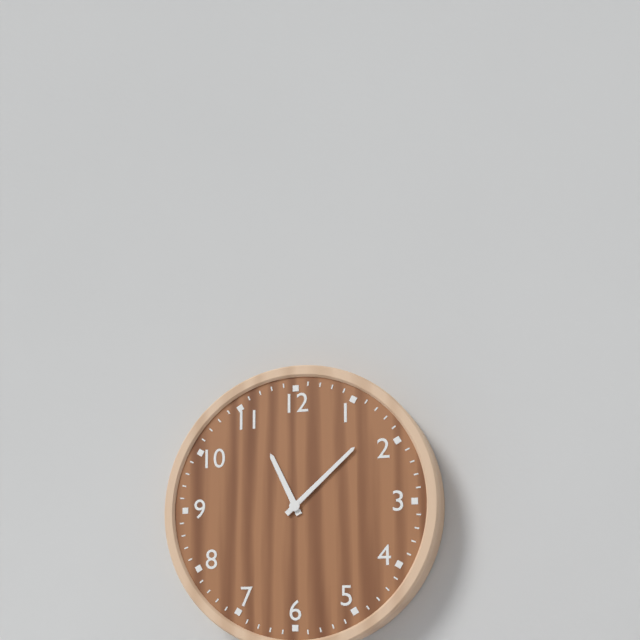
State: 11:08
